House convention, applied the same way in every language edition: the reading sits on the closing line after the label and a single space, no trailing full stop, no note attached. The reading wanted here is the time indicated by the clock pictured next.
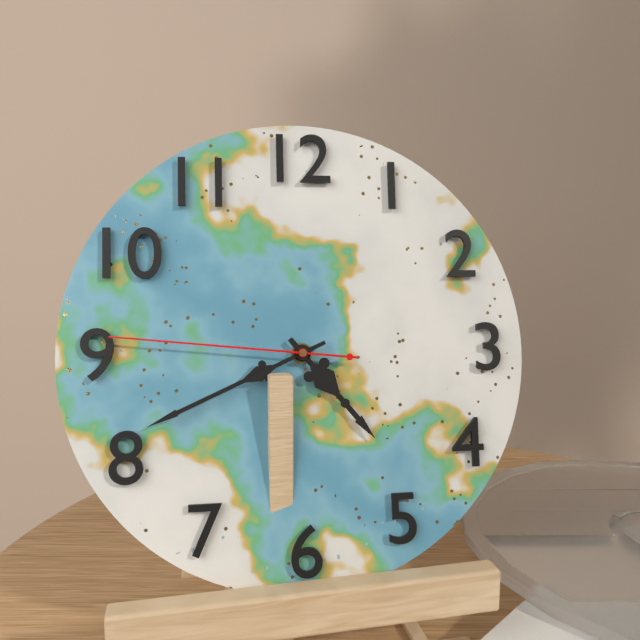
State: 4:41:46
